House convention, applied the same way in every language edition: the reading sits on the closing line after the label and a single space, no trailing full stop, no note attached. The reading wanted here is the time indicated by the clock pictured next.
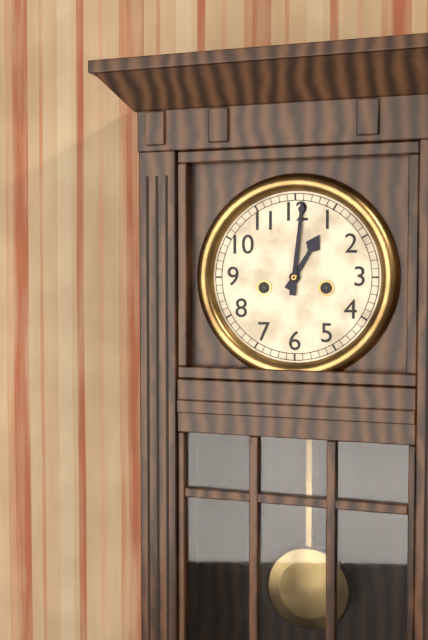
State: 1:01
